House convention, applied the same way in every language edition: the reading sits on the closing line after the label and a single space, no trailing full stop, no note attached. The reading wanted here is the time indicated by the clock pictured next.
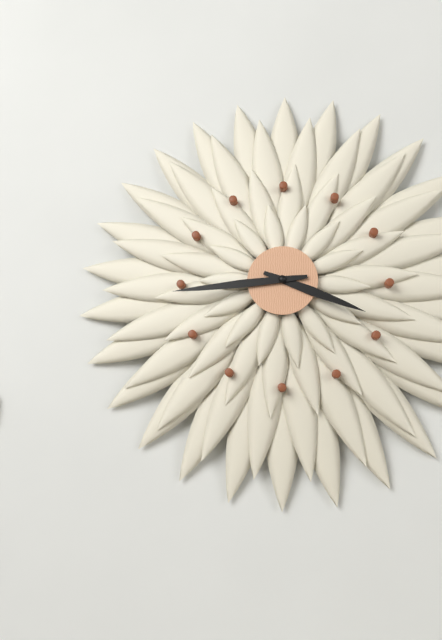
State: 3:44
